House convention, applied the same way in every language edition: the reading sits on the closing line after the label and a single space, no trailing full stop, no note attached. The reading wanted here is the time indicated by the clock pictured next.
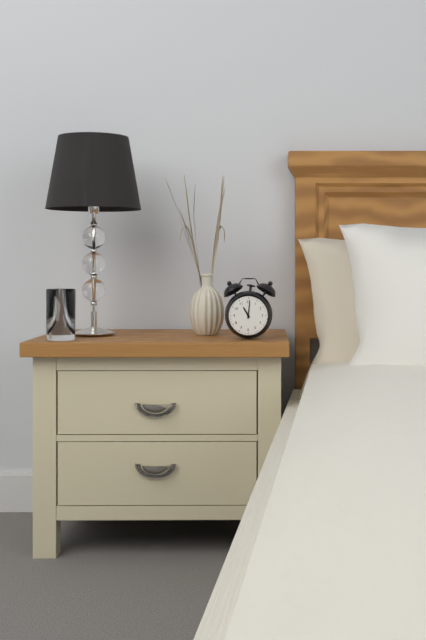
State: 11:01
